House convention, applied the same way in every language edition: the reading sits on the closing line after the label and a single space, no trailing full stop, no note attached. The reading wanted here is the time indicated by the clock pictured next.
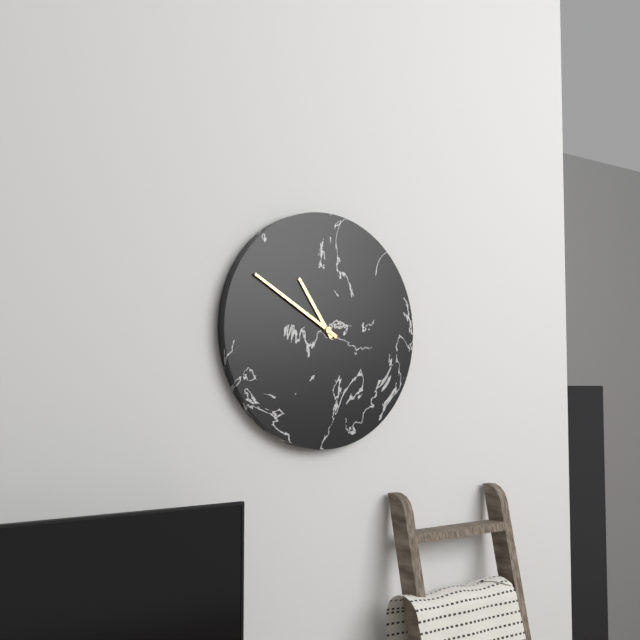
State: 10:50
